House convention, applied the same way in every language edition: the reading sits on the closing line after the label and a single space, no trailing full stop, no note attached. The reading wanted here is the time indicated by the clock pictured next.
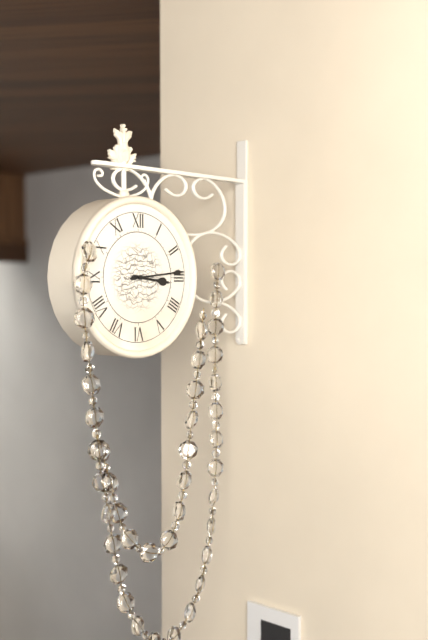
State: 3:14
